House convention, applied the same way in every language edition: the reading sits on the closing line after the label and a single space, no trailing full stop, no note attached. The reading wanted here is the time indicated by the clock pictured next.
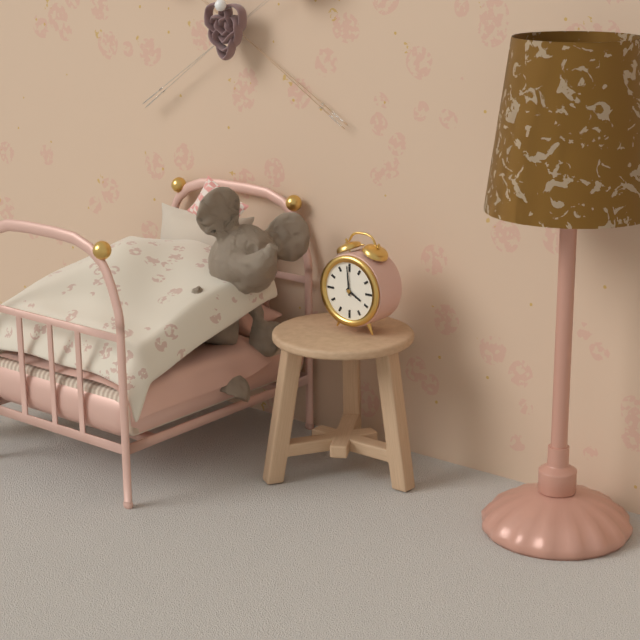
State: 3:59
